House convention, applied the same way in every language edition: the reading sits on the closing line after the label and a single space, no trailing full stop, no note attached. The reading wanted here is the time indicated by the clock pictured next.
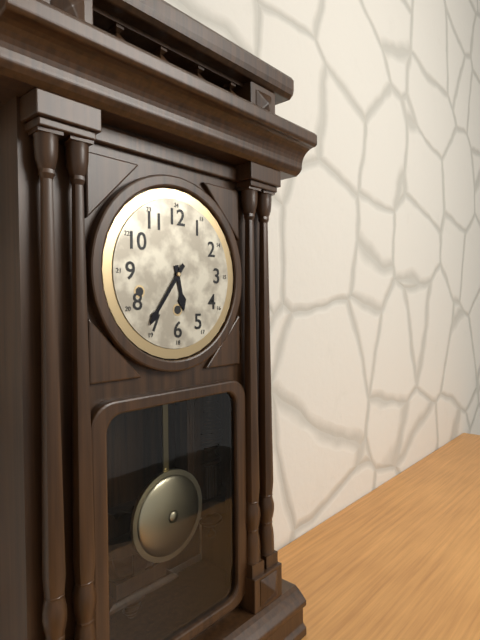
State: 5:36
